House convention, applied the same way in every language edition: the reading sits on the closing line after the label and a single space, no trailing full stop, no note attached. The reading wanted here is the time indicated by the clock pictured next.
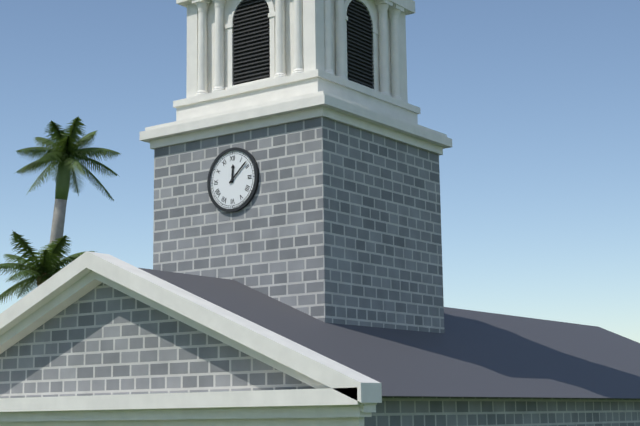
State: 12:08
